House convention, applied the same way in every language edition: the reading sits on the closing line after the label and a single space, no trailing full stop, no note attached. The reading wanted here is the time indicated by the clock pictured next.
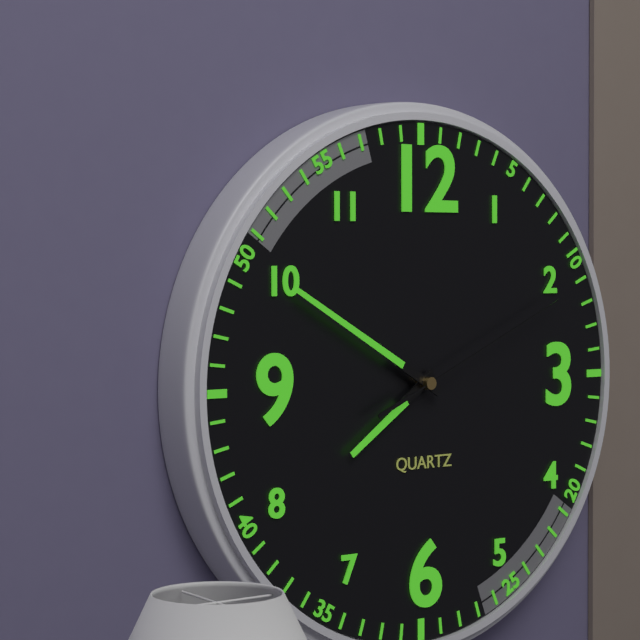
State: 7:50:11
